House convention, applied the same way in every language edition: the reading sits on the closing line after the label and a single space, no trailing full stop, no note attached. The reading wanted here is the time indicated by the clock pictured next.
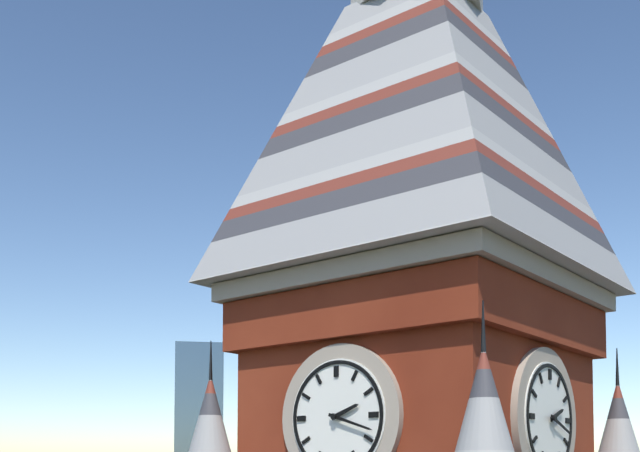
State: 2:18
